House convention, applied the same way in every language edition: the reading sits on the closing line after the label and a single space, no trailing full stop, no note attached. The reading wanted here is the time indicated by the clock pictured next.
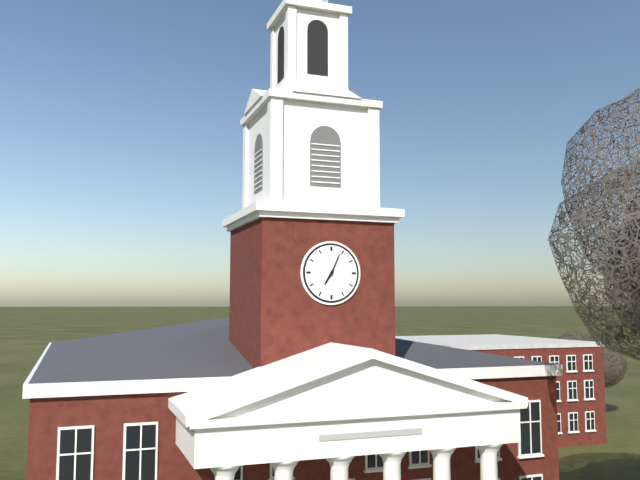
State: 7:04
